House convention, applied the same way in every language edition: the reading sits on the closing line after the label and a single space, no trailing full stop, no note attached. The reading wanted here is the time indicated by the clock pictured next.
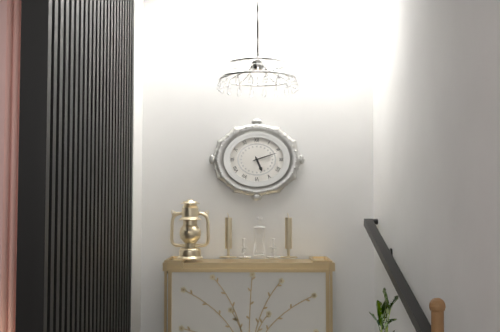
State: 5:12
